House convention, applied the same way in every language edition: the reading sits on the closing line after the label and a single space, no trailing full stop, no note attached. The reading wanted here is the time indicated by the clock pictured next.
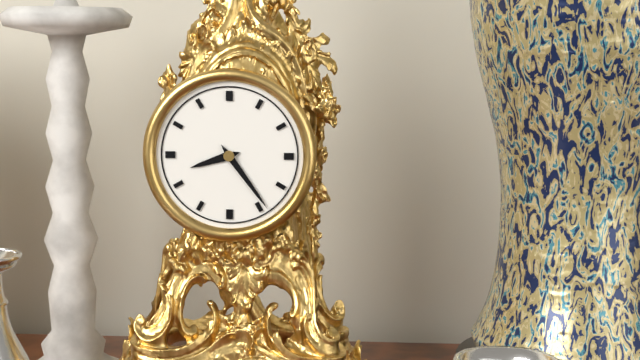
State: 8:24
